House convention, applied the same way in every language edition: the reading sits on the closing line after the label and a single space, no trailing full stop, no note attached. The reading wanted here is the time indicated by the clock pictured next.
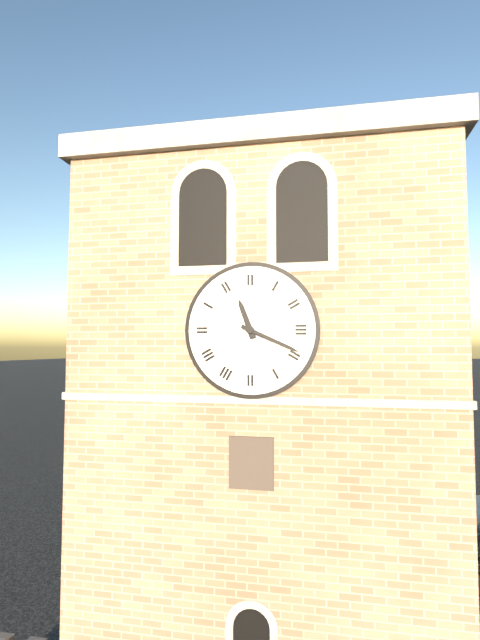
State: 11:19
